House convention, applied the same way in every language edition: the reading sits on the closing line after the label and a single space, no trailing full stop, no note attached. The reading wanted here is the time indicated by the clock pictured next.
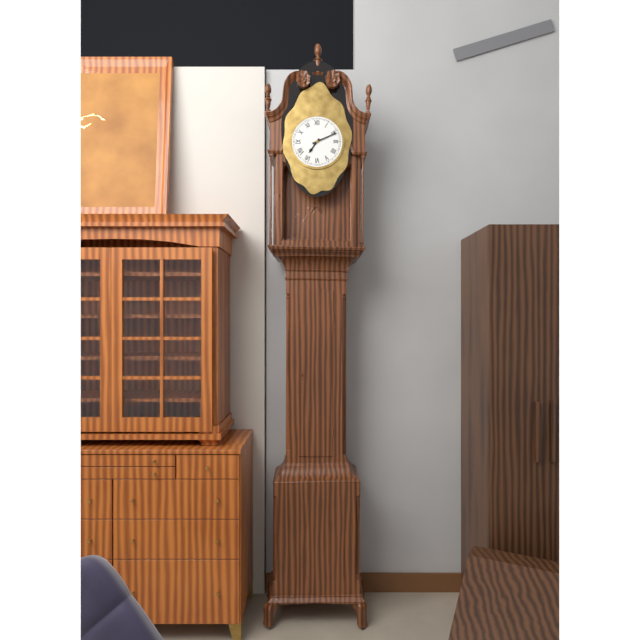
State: 7:11
